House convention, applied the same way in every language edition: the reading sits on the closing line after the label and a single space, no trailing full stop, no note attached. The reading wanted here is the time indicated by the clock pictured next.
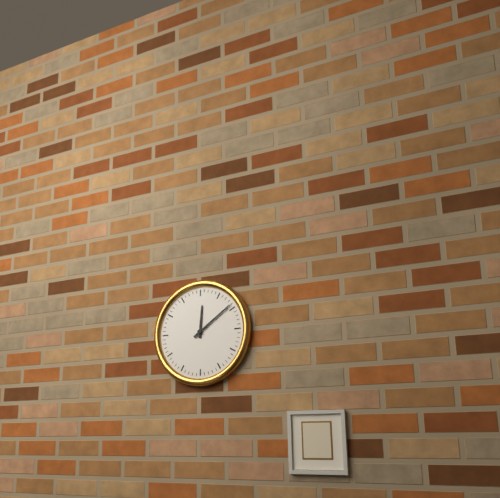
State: 12:09
